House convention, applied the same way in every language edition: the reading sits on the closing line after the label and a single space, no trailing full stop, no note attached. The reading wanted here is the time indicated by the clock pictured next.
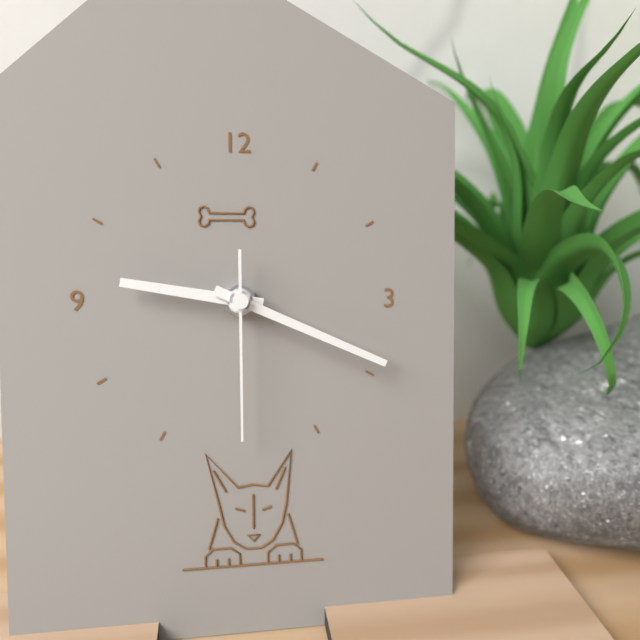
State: 9:19:30
